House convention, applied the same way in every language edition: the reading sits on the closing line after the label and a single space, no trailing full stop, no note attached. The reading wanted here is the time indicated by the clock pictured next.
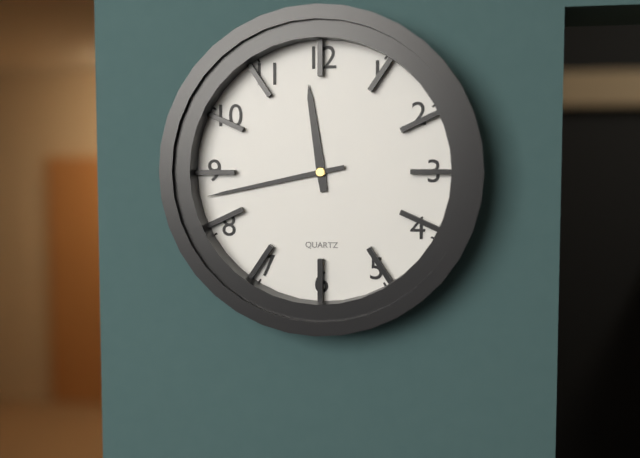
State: 11:43
